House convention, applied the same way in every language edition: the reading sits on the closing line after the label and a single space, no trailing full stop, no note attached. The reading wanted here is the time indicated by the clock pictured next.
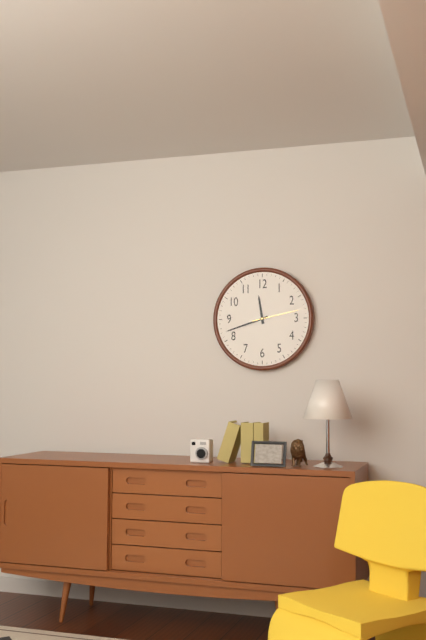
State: 11:42
